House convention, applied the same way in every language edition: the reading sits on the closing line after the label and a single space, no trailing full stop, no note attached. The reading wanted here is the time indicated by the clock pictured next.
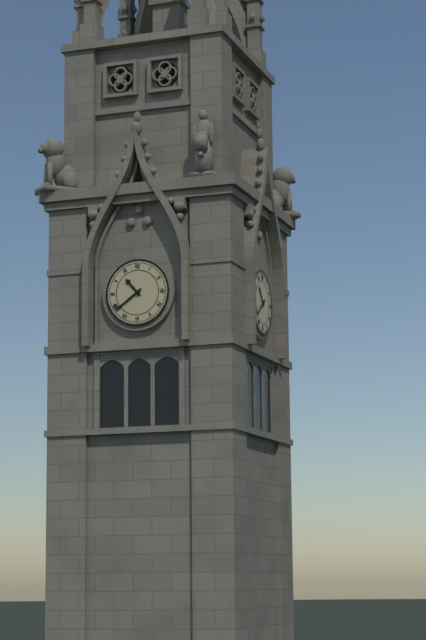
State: 10:39
